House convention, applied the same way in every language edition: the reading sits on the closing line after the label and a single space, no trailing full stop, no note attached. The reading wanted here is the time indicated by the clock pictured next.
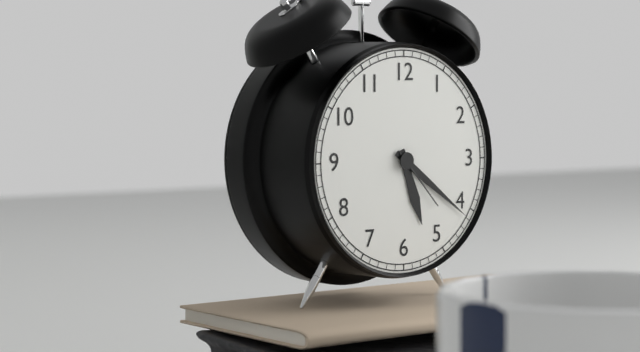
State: 5:21:23
